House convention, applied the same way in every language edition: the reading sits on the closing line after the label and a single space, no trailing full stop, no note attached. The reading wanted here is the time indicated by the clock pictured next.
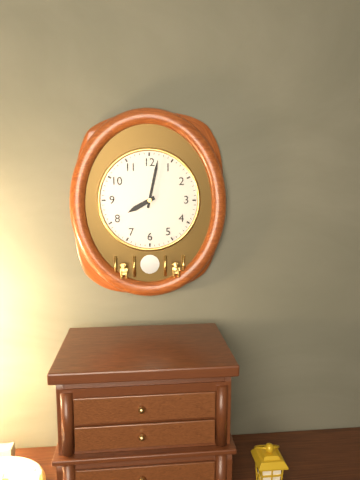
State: 8:02
